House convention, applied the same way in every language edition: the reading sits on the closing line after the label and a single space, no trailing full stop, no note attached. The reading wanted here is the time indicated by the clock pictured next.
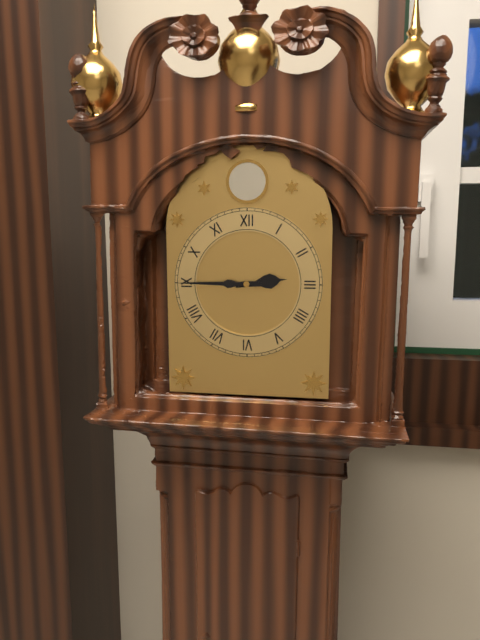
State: 2:45
